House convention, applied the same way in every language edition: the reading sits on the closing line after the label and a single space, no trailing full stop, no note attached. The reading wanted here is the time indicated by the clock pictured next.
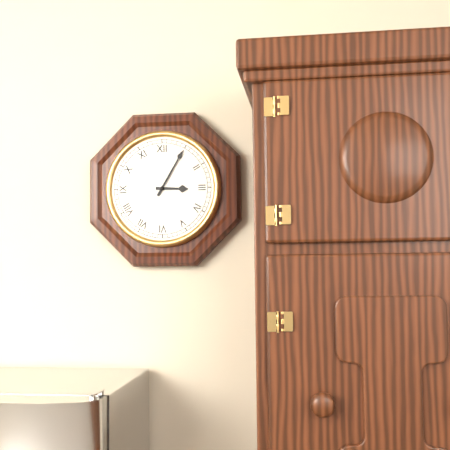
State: 3:05
